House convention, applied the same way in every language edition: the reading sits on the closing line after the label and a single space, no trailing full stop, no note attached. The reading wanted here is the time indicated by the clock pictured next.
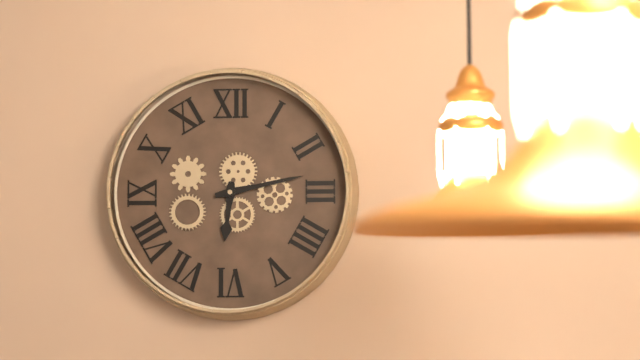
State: 6:13
